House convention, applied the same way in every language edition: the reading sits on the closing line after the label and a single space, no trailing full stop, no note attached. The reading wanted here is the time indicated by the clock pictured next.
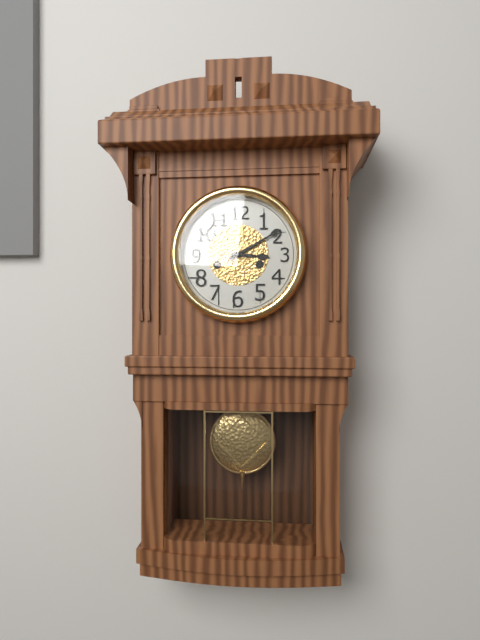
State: 3:10
